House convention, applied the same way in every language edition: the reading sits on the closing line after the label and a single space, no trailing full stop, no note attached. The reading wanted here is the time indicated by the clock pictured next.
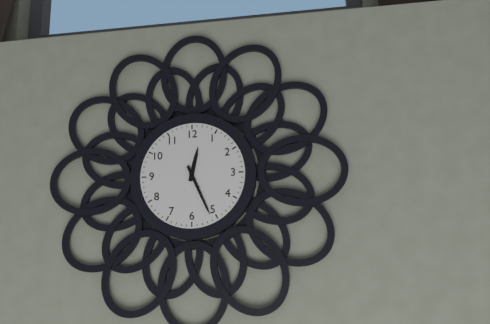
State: 12:26
